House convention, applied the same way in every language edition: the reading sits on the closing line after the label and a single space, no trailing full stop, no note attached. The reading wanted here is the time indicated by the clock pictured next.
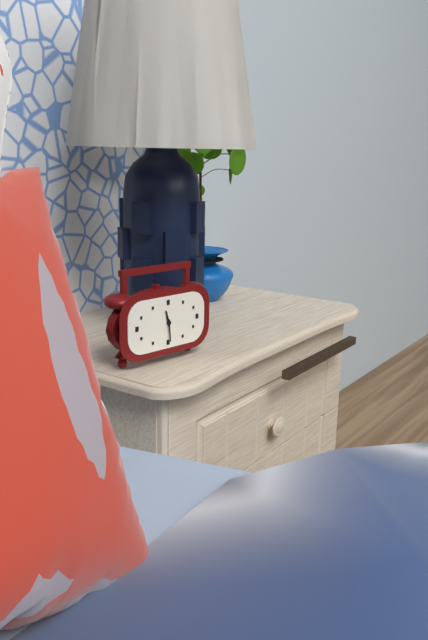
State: 11:29
